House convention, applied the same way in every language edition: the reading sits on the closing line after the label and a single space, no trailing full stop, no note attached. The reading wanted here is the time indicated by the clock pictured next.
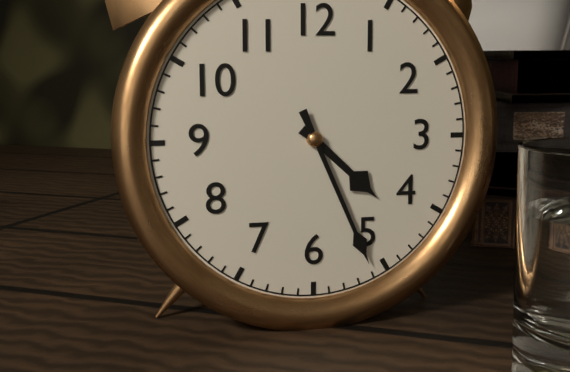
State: 4:26
